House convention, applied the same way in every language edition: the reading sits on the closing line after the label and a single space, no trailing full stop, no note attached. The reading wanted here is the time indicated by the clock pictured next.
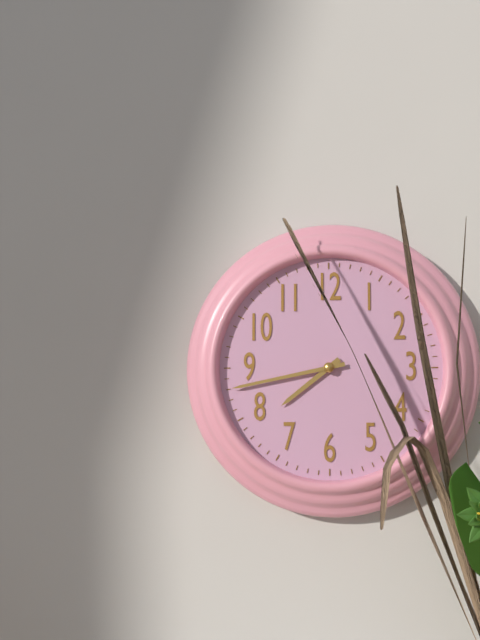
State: 7:43
